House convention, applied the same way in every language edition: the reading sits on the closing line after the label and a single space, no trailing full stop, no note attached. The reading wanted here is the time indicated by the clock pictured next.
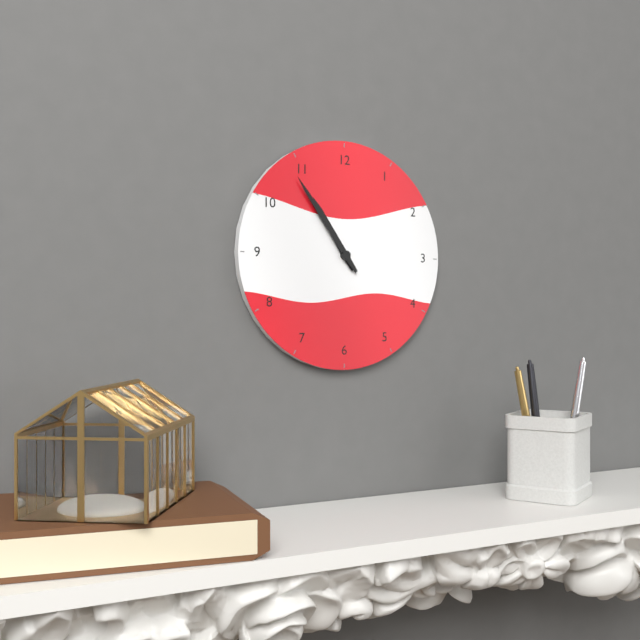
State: 10:54
